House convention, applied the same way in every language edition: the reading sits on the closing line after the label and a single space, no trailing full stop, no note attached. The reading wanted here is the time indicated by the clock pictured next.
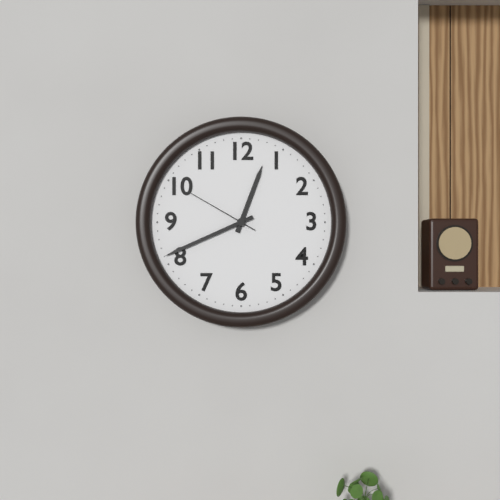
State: 12:41:50
